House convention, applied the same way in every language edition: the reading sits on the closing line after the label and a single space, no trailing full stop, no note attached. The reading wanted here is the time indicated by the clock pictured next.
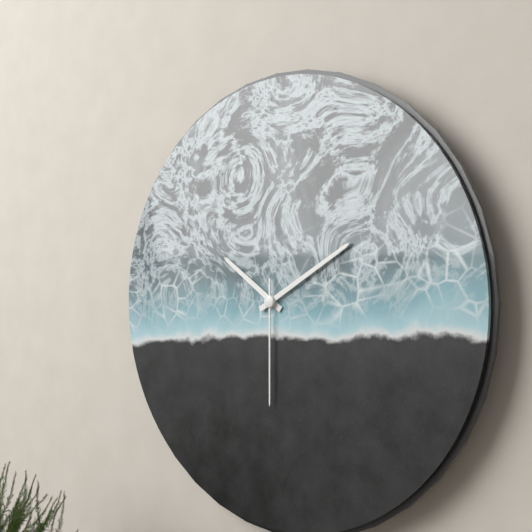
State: 10:10:30
